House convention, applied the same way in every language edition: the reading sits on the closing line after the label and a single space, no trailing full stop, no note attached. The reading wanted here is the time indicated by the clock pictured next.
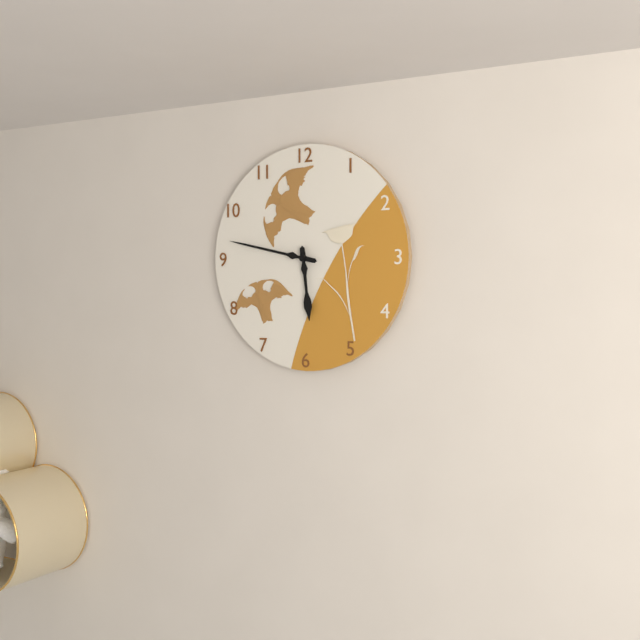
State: 5:47
